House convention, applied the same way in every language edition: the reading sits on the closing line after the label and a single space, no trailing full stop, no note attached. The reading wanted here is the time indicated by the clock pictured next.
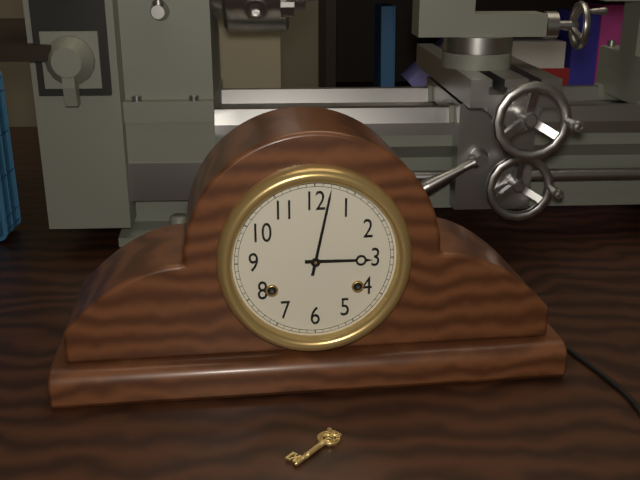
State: 3:02
